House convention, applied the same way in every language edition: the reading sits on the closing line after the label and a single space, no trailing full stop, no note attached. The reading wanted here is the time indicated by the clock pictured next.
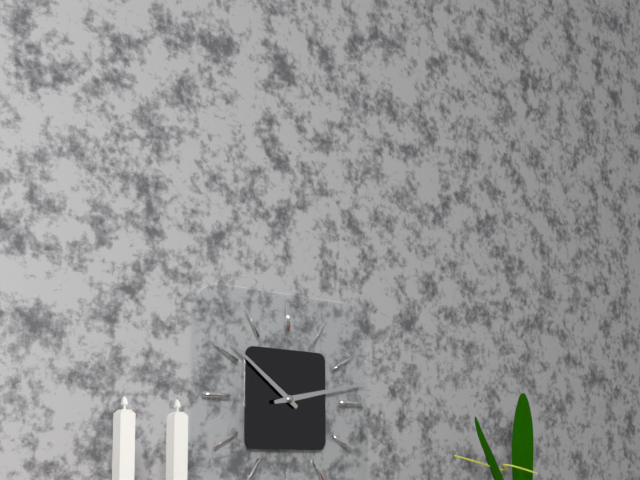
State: 10:13
